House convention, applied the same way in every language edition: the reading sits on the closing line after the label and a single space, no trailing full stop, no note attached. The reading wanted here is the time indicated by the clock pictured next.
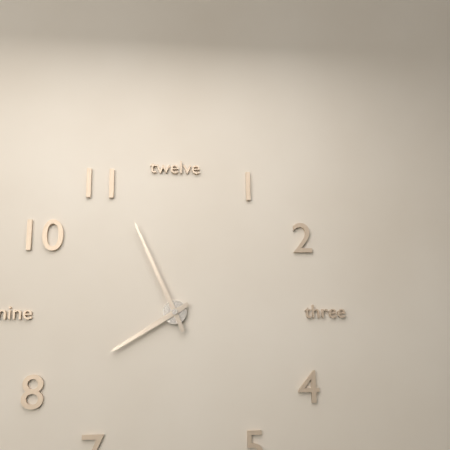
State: 7:56
